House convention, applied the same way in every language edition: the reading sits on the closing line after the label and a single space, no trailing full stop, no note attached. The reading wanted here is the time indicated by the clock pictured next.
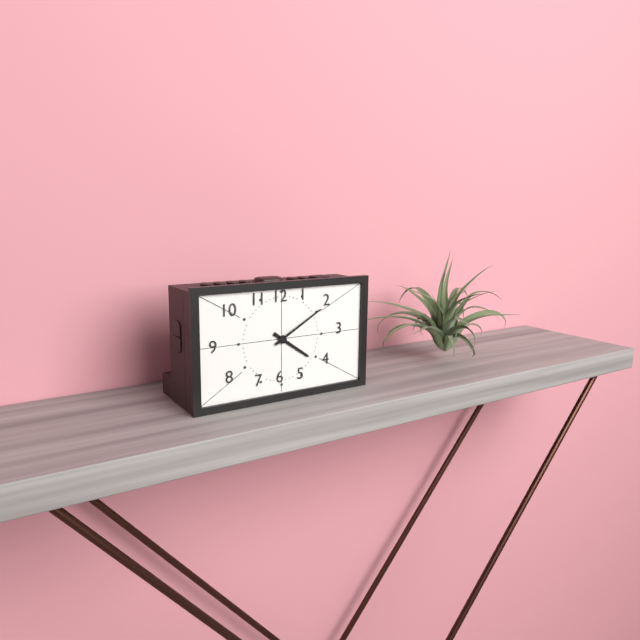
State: 4:10
